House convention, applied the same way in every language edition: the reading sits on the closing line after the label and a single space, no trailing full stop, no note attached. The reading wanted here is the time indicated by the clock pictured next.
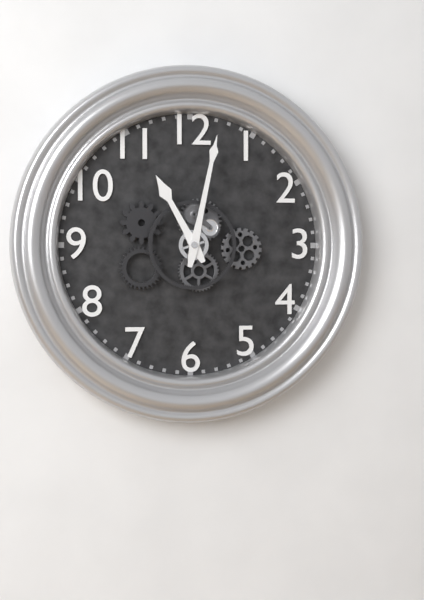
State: 11:02
